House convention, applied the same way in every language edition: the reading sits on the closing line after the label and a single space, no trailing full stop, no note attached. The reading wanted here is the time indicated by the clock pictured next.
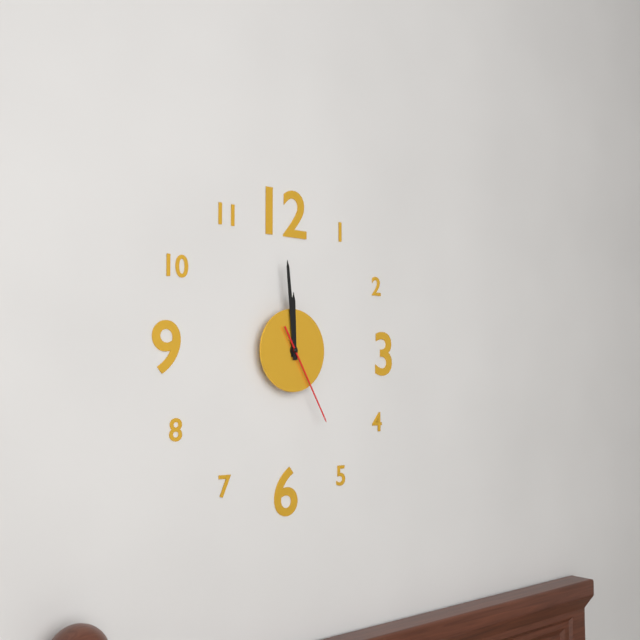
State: 11:59:25
